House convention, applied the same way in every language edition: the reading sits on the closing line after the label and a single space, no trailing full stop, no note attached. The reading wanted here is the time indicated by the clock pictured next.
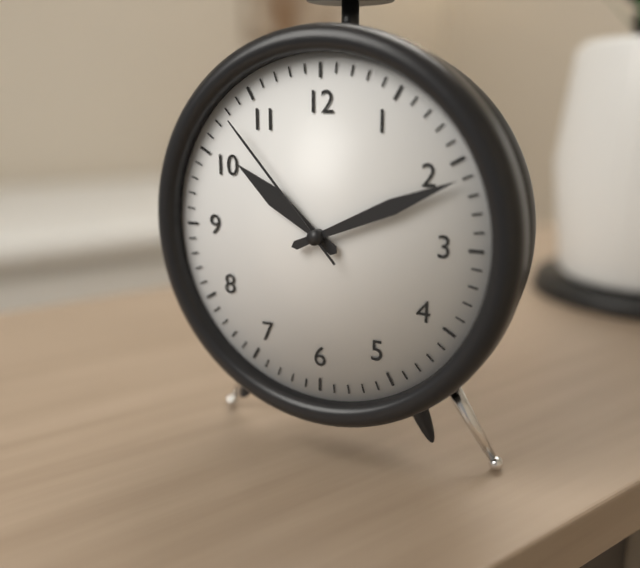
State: 10:11:53
